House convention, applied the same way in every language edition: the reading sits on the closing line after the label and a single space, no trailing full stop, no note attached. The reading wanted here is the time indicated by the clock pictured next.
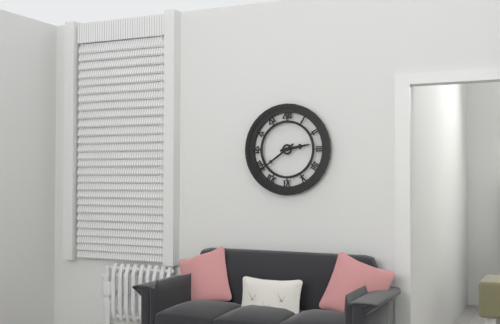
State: 2:39
